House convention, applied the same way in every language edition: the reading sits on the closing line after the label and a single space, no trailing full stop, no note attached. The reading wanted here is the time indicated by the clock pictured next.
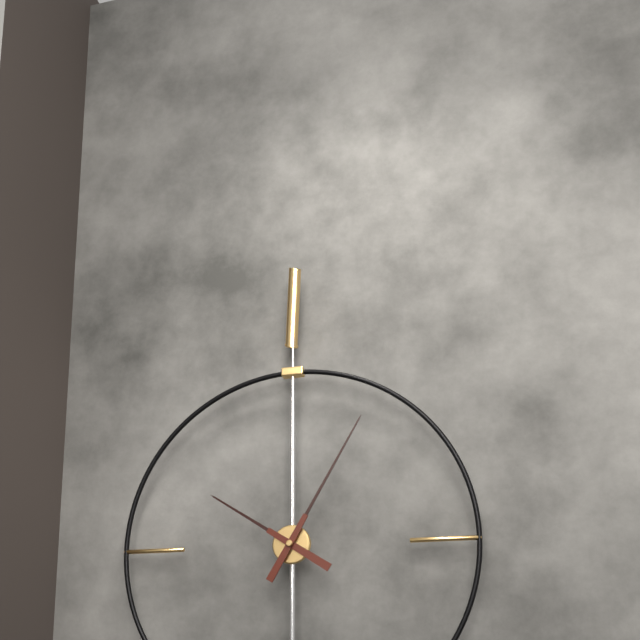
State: 10:05
